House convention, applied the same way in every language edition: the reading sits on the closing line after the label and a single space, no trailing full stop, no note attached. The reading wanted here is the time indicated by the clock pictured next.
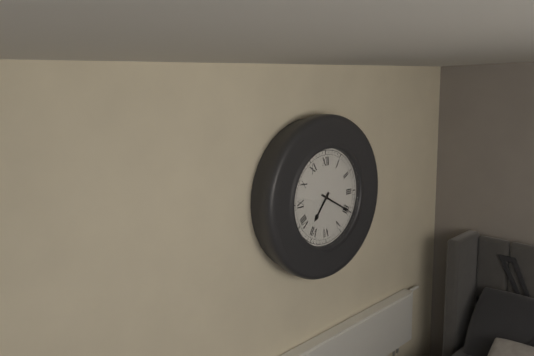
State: 7:20
